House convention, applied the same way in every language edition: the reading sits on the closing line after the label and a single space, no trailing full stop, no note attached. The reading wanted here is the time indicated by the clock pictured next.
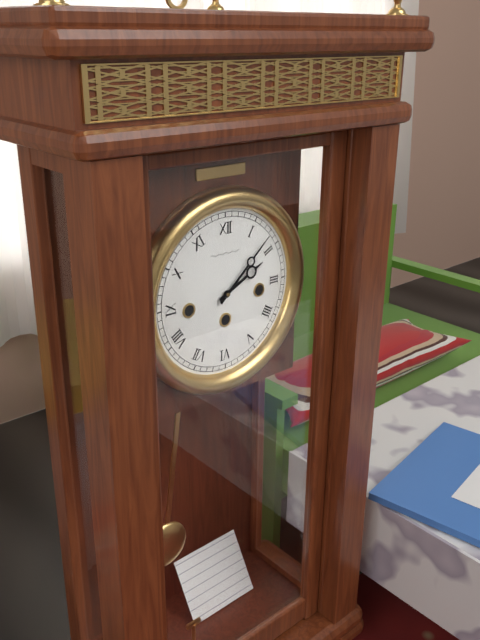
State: 2:08
